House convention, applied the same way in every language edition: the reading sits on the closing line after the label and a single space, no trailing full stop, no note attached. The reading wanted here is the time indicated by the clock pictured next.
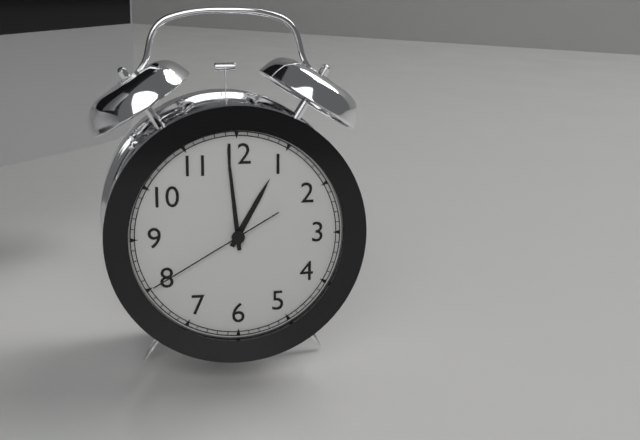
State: 12:59:40
